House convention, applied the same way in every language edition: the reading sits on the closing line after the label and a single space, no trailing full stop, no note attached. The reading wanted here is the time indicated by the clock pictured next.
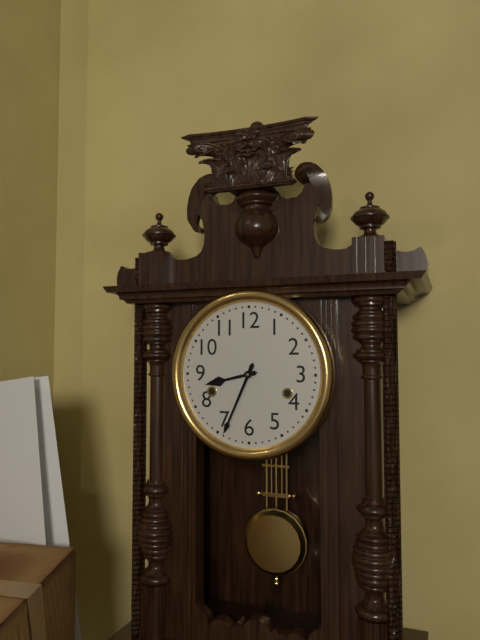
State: 8:34
